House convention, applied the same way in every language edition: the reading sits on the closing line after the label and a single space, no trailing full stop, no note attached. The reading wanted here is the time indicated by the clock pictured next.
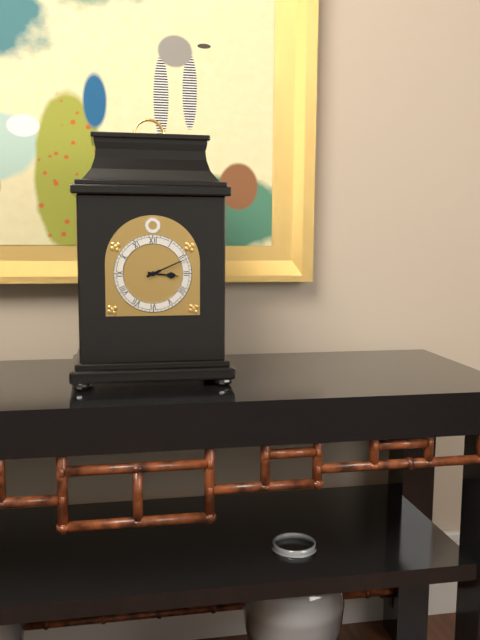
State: 3:11
